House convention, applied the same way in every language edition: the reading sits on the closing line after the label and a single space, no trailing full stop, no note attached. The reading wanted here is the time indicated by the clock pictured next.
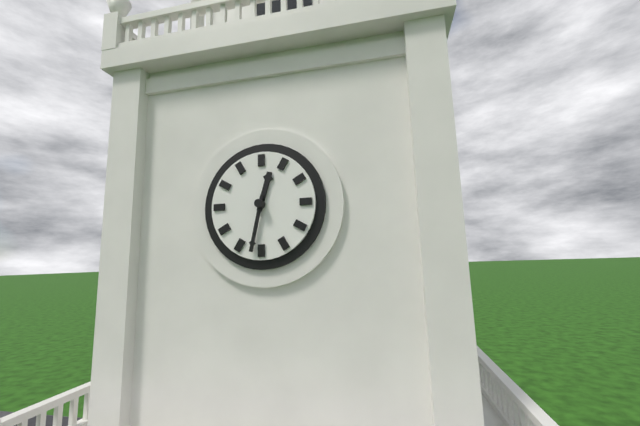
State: 12:32
